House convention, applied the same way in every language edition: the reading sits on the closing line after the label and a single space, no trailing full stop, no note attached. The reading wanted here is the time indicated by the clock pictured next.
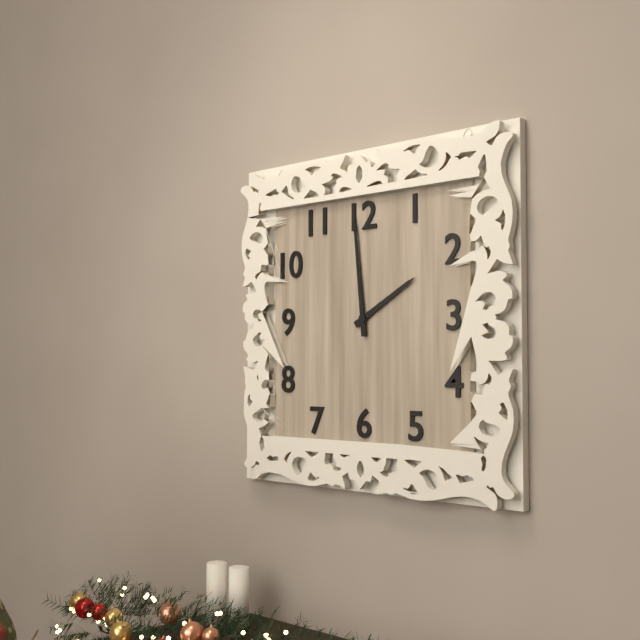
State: 1:59
